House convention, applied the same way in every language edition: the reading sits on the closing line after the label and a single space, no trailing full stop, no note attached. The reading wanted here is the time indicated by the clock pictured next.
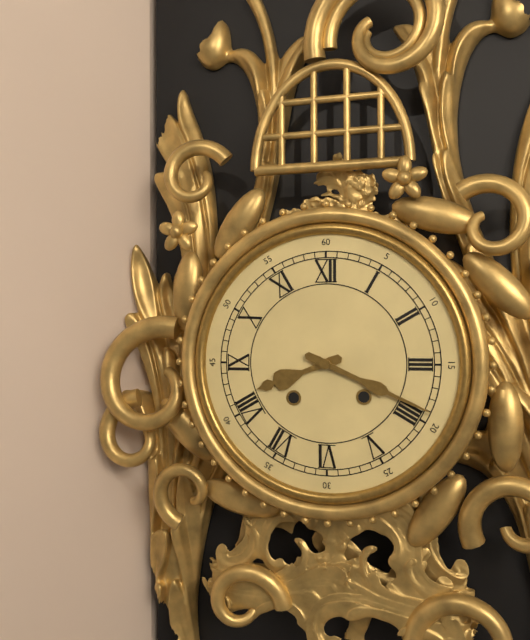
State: 8:19
